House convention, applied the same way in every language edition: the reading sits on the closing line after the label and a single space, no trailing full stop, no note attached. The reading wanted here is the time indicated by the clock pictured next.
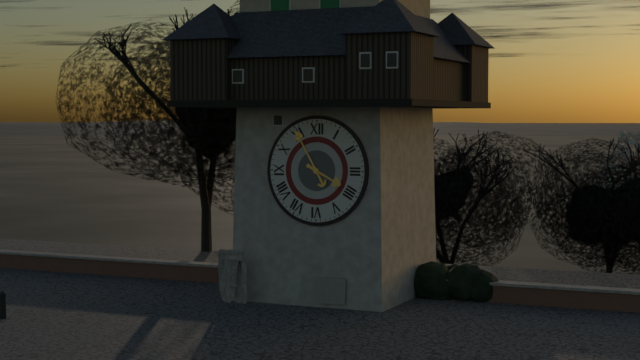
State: 3:55
